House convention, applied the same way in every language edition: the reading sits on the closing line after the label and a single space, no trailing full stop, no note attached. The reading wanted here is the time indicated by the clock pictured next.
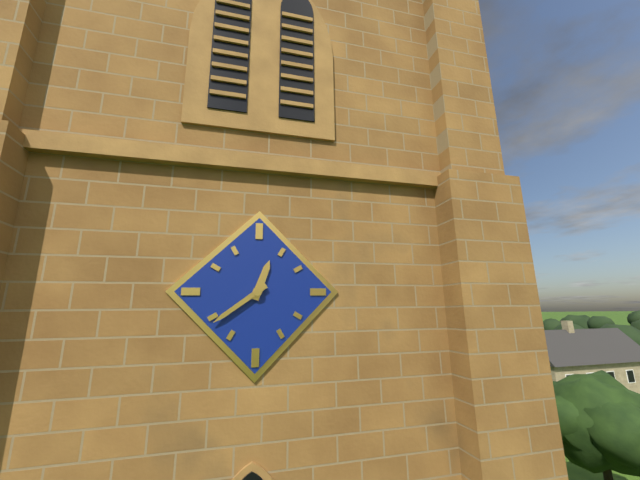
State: 12:39
